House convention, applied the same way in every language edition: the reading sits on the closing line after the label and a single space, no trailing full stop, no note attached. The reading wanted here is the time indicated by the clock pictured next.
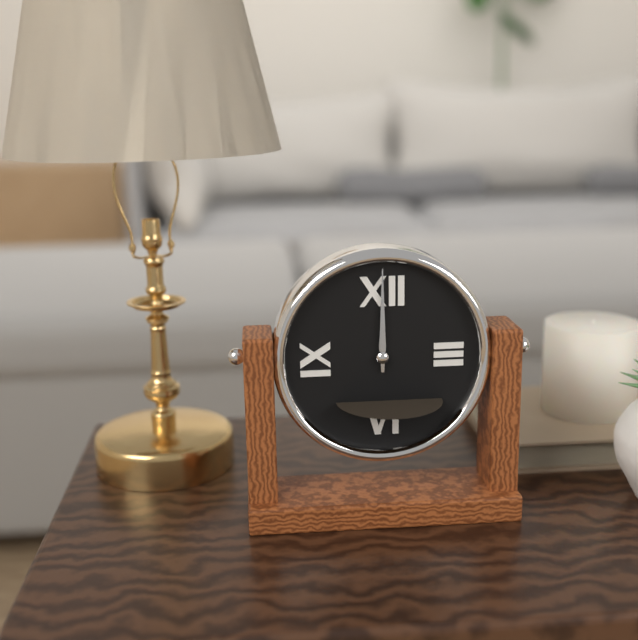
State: 12:00
